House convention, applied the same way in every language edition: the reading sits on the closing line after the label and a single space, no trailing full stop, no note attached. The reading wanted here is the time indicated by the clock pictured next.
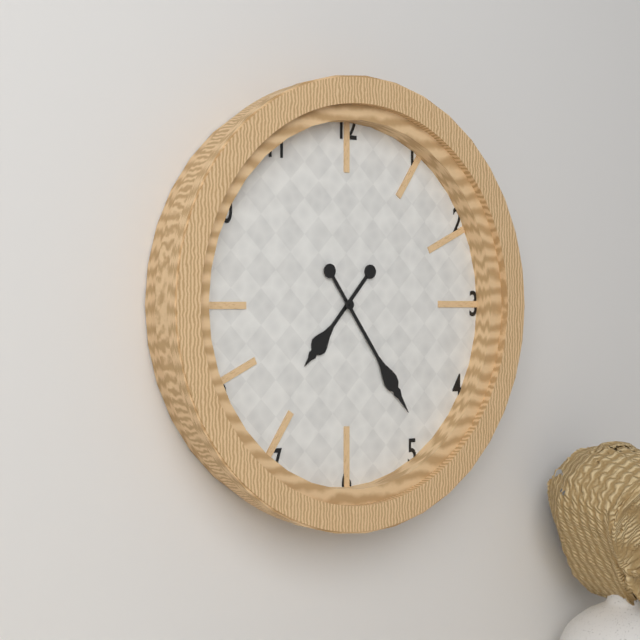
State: 7:24
